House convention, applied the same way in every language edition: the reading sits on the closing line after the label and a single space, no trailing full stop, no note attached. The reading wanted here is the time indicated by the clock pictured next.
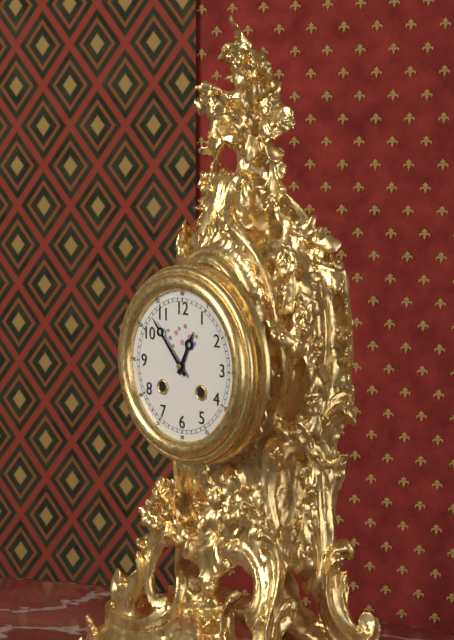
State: 12:53
